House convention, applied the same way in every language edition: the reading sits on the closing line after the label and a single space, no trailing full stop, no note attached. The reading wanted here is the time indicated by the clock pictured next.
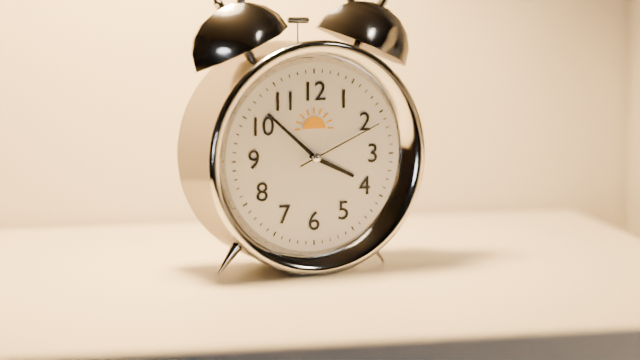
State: 3:52:11
